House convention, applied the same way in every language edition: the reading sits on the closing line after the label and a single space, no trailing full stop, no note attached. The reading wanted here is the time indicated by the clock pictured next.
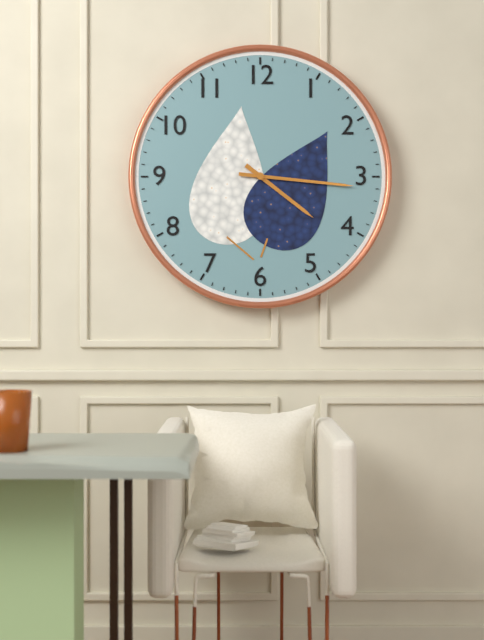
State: 4:16
